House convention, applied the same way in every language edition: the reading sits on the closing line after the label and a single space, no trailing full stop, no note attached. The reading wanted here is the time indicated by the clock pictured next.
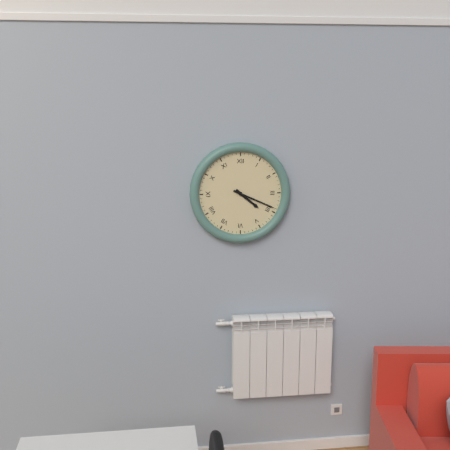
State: 4:19
